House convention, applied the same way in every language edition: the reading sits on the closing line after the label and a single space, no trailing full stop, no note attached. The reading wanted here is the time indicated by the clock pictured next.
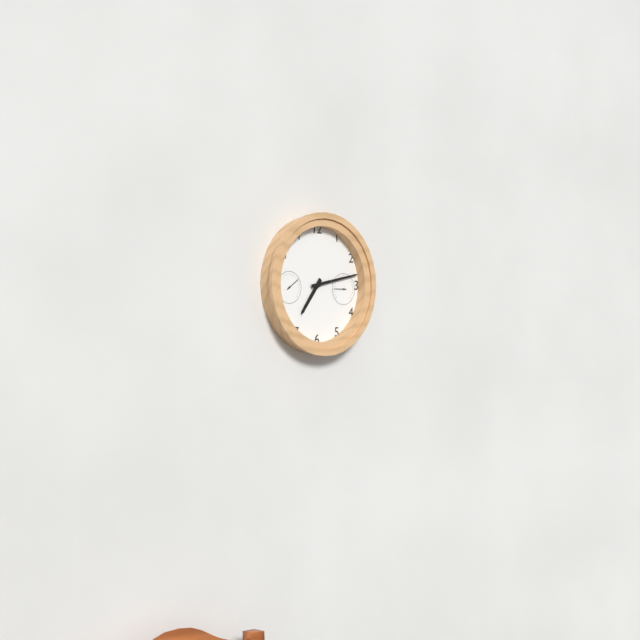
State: 7:13
